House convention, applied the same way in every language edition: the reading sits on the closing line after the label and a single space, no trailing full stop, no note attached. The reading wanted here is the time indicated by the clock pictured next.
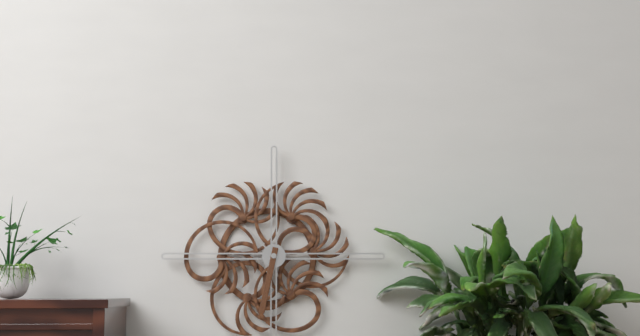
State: 10:32
